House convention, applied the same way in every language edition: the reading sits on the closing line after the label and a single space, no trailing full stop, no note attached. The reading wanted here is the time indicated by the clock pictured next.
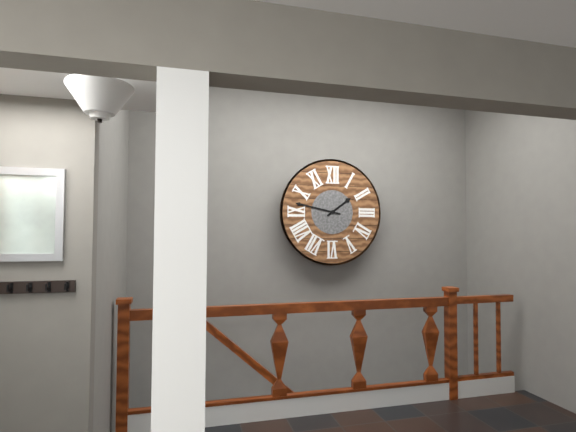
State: 1:47
